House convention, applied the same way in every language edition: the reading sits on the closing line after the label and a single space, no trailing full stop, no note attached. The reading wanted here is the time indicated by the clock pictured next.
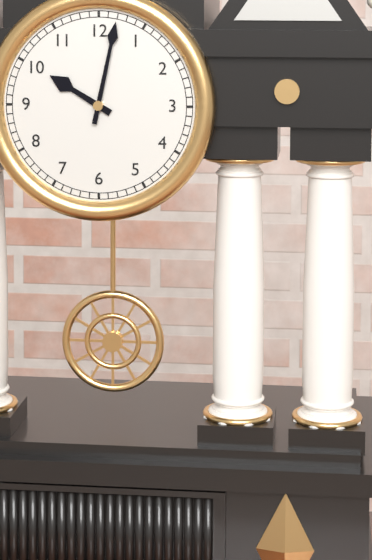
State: 10:02
